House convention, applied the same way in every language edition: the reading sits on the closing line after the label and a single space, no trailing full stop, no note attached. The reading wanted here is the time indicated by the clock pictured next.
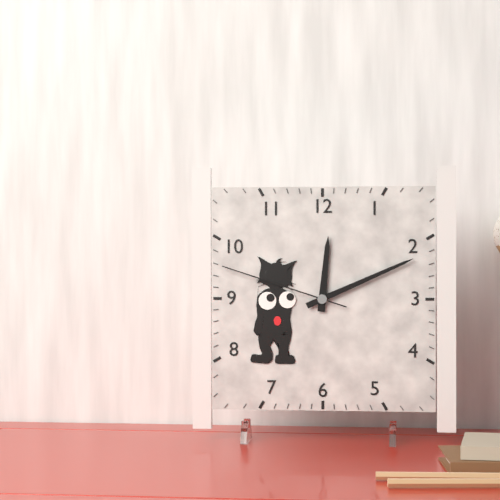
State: 12:11:48
